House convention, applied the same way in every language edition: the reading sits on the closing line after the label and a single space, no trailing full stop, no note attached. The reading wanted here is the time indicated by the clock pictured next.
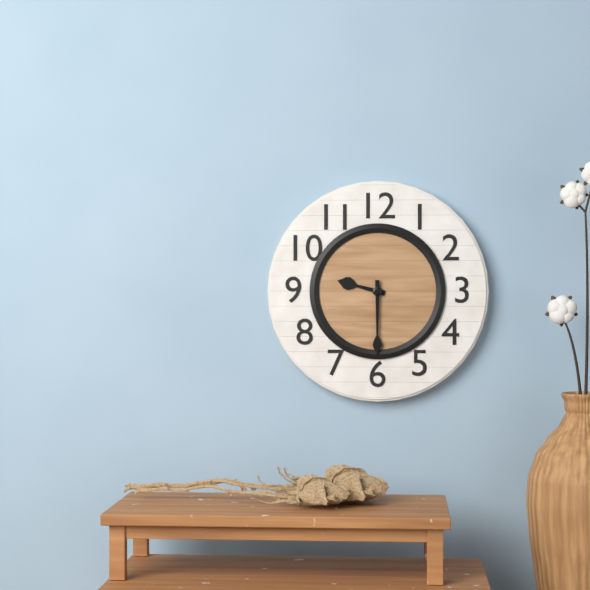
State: 9:30
